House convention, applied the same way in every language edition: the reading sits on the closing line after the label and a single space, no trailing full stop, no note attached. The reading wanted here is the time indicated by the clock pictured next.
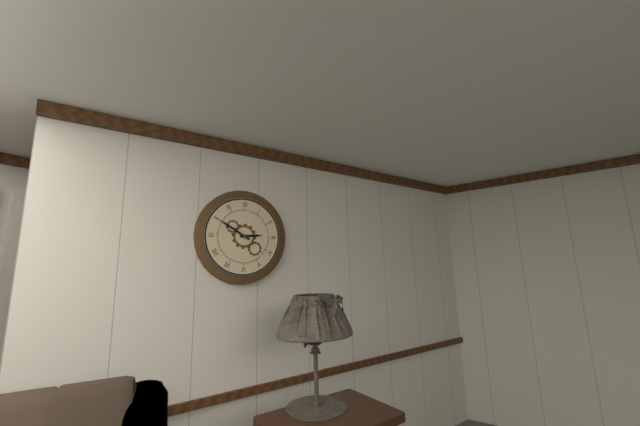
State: 2:50
